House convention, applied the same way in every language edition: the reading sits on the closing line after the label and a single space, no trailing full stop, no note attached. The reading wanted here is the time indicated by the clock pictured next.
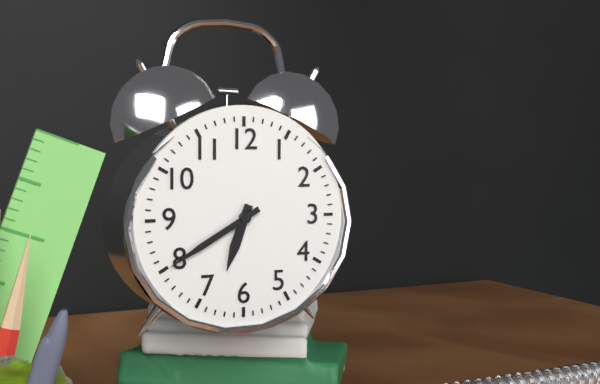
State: 6:40
